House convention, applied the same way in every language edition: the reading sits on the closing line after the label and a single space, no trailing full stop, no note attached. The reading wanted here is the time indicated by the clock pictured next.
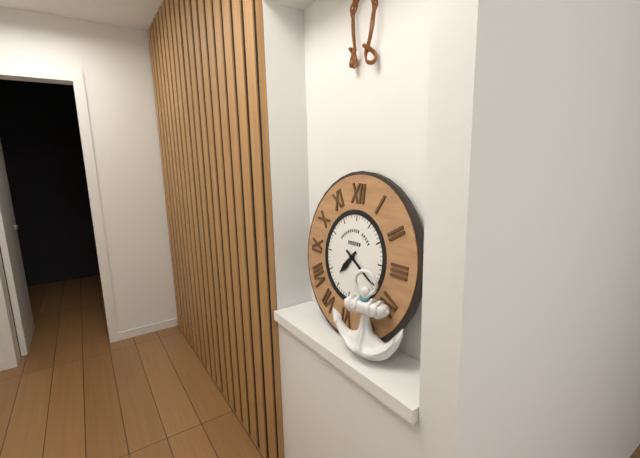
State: 7:20
